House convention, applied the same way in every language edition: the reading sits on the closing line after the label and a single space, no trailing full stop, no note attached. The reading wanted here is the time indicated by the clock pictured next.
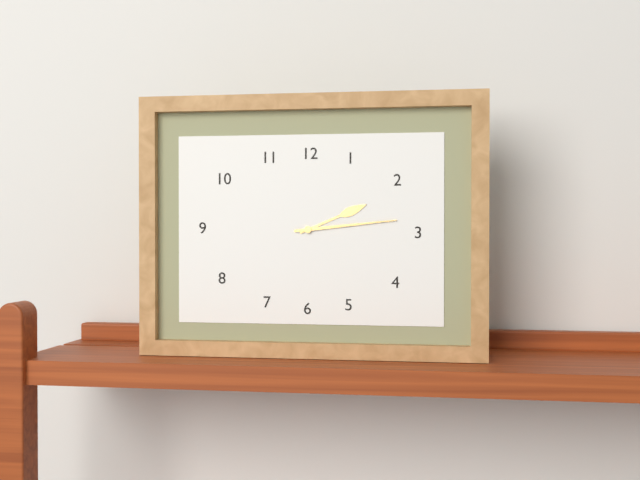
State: 2:14
